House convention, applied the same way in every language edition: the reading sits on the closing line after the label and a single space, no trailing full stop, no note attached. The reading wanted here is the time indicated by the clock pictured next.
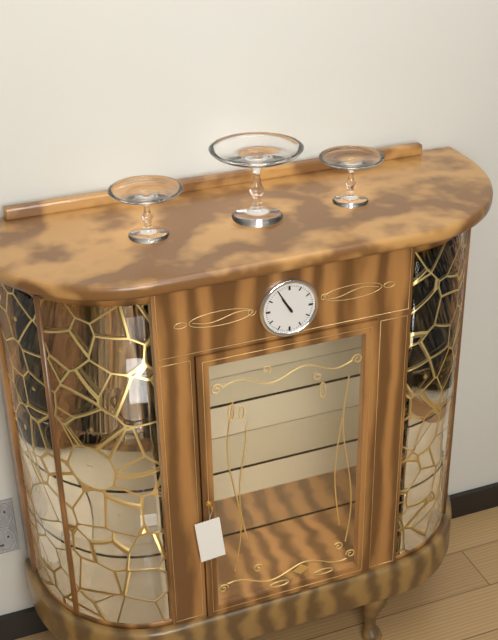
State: 10:55
